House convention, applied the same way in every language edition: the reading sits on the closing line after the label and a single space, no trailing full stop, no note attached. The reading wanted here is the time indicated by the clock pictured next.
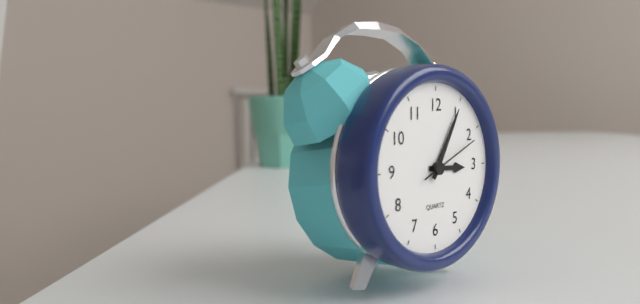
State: 3:05:11
